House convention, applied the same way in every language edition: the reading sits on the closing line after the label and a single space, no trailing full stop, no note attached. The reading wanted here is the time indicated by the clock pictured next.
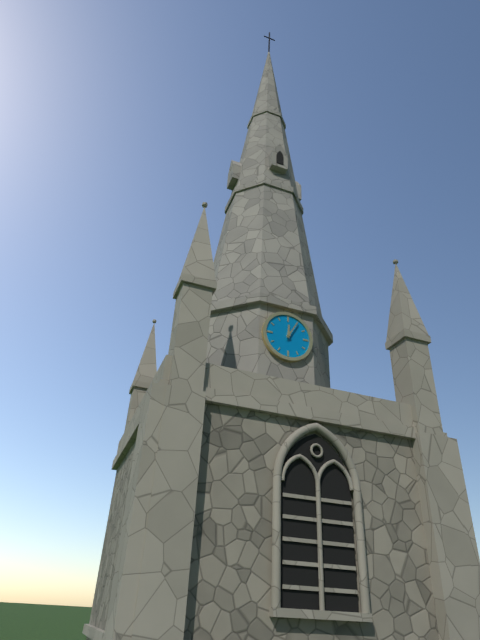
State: 12:05
